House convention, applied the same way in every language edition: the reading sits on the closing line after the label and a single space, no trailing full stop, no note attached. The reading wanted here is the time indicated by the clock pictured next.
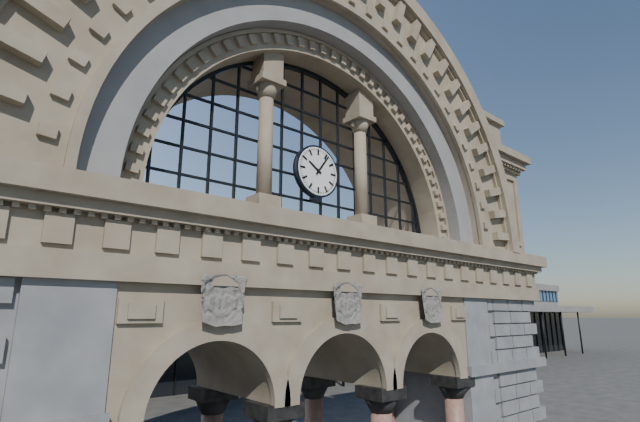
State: 10:06
